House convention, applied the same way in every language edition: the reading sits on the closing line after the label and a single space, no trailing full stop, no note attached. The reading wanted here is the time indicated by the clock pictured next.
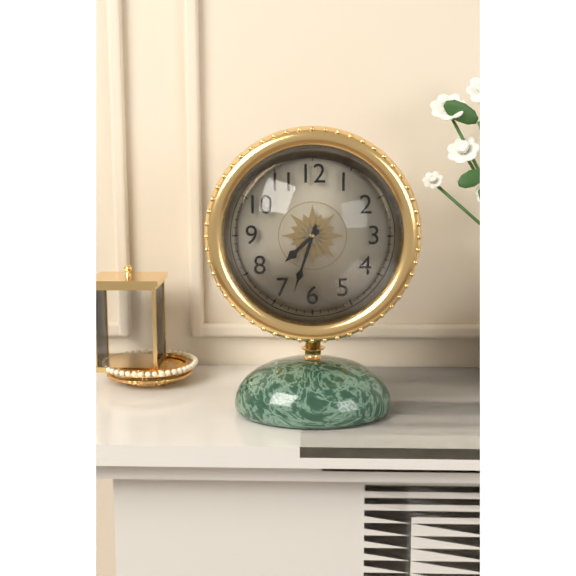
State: 7:33
